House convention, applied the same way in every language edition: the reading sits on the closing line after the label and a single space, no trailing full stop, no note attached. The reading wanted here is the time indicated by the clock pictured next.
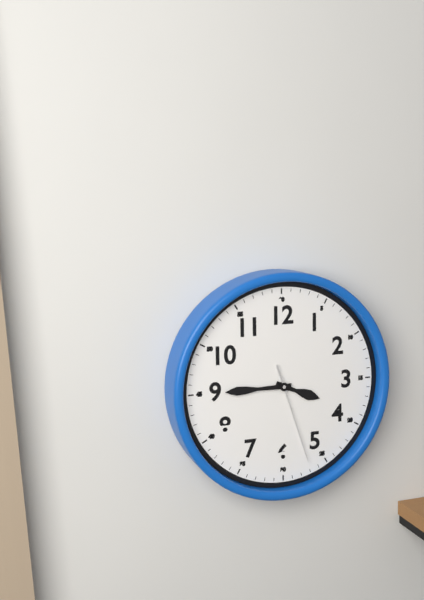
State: 3:45:27
